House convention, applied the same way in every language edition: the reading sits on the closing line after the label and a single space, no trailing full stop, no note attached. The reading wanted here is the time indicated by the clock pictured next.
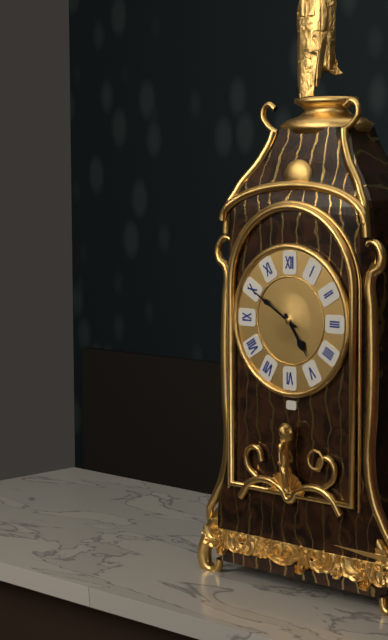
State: 4:50
